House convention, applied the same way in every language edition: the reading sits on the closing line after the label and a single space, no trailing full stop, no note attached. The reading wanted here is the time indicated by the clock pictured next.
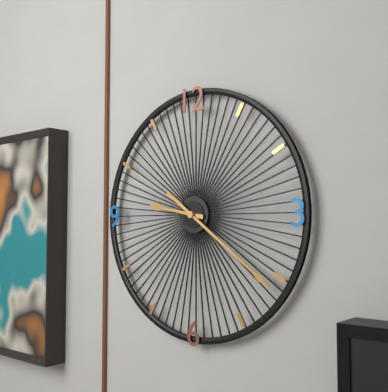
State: 9:21
